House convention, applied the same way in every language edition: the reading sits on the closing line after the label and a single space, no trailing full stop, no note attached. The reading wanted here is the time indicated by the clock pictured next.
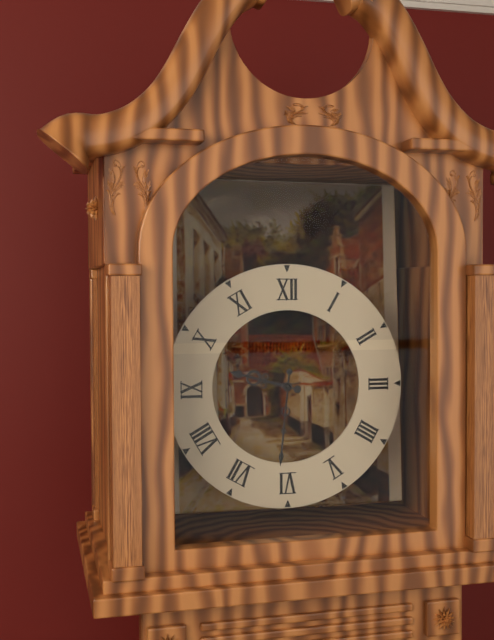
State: 9:31
